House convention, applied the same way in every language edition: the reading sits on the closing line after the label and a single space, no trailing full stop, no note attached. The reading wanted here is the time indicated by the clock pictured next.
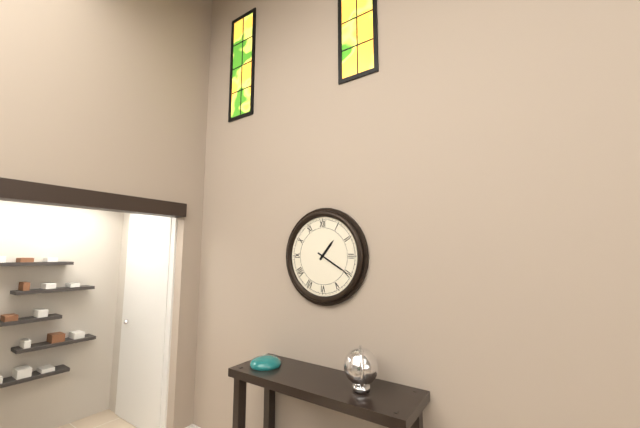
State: 1:20
